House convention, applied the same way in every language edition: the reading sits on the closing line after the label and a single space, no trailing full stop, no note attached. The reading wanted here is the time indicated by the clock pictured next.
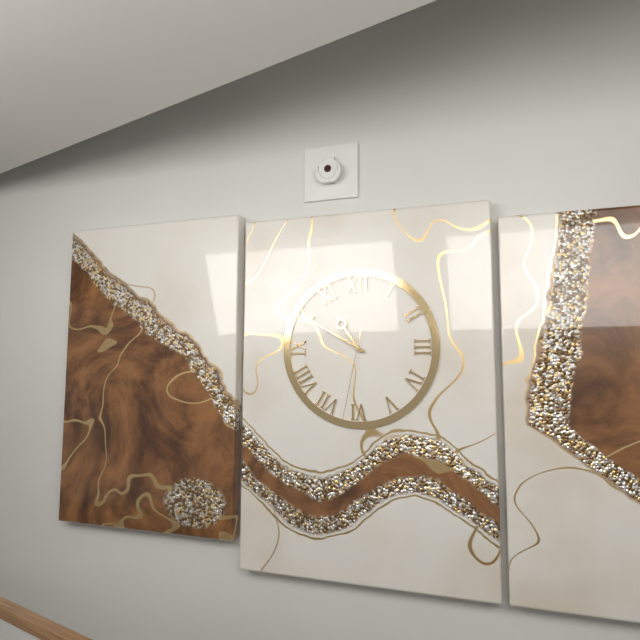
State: 10:50:32
